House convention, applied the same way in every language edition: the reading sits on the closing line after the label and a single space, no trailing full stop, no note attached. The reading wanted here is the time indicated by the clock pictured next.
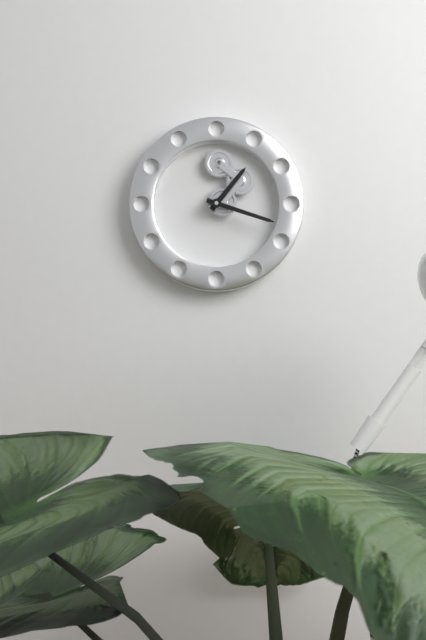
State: 1:18
